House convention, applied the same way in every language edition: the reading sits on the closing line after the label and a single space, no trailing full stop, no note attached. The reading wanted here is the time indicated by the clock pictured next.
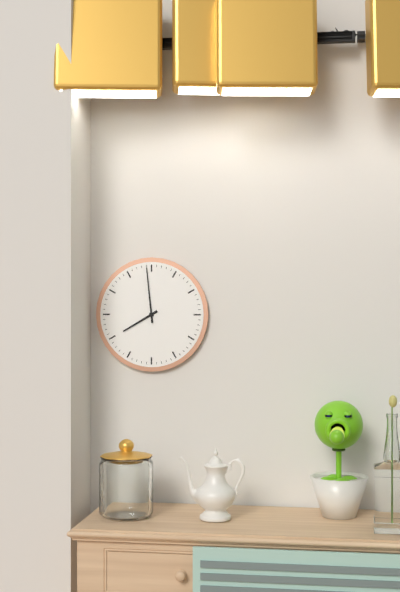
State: 7:59
